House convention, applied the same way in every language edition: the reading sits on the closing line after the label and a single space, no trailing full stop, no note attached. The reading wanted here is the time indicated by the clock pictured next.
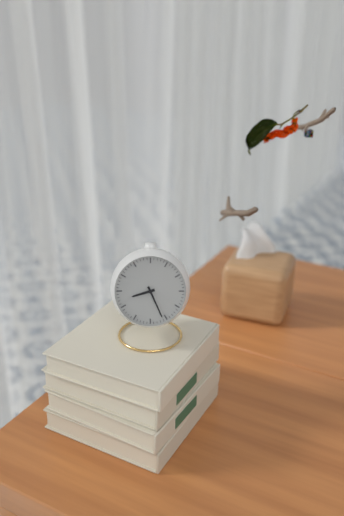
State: 8:26
